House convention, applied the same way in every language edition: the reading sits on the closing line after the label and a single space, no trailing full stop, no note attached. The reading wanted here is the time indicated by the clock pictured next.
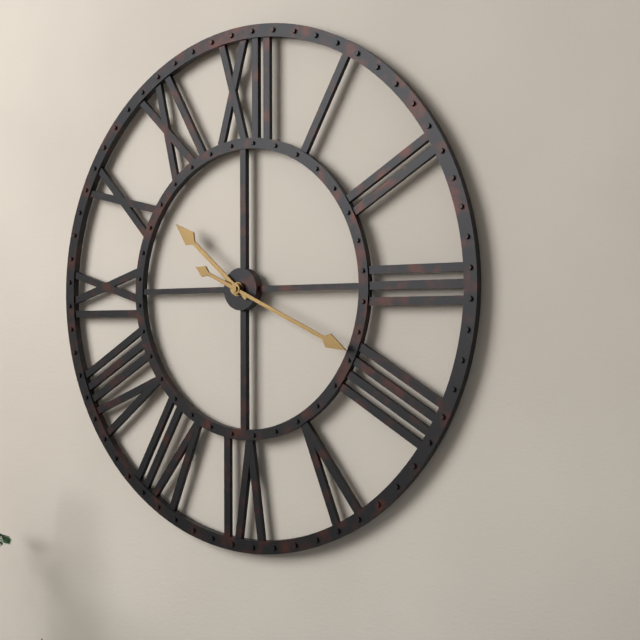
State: 10:19
